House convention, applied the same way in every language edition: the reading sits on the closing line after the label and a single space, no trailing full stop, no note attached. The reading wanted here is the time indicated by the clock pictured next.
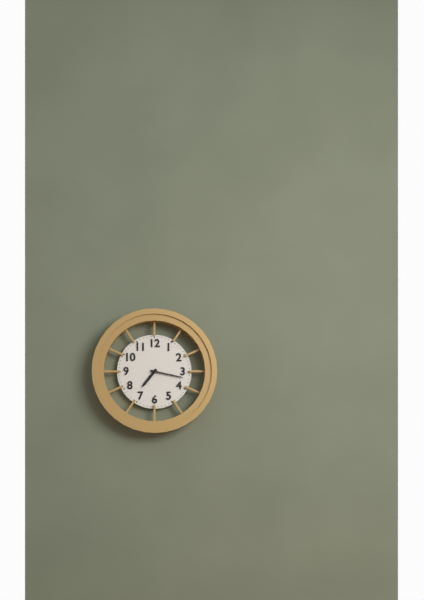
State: 7:17
